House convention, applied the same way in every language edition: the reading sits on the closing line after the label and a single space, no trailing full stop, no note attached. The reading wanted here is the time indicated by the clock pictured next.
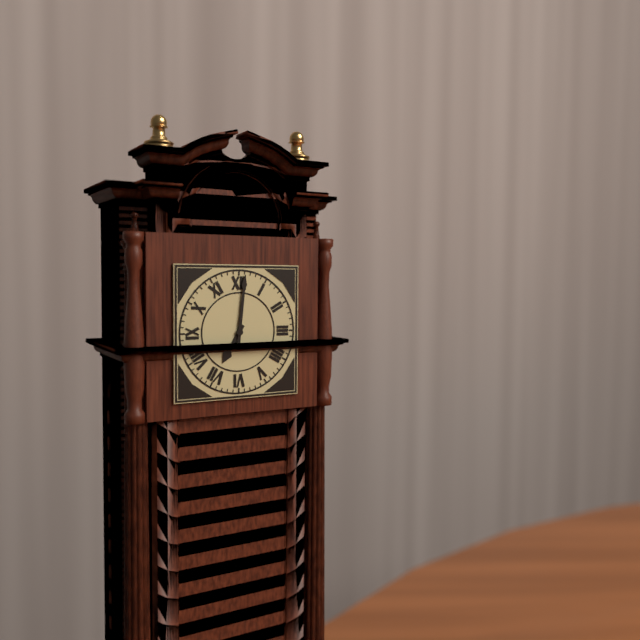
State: 7:01
